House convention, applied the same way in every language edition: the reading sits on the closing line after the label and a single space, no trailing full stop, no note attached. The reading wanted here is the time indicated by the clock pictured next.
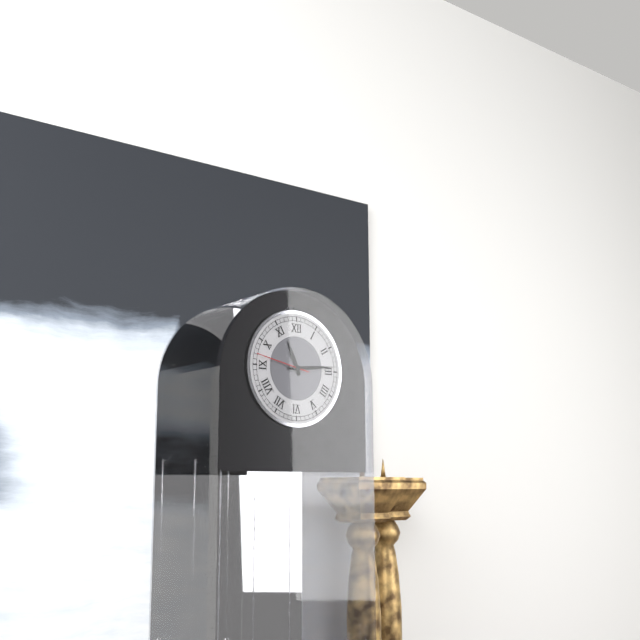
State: 11:14:47
